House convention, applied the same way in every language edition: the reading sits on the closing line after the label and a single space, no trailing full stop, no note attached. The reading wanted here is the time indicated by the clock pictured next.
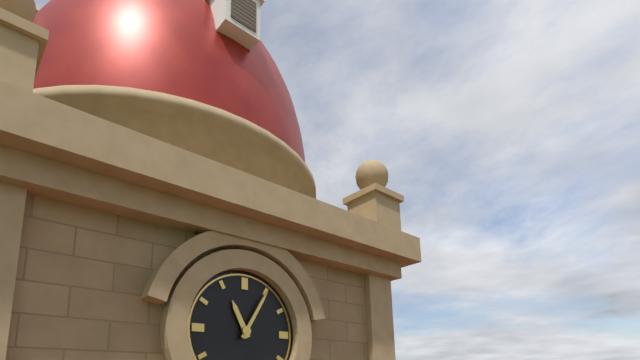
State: 11:05
